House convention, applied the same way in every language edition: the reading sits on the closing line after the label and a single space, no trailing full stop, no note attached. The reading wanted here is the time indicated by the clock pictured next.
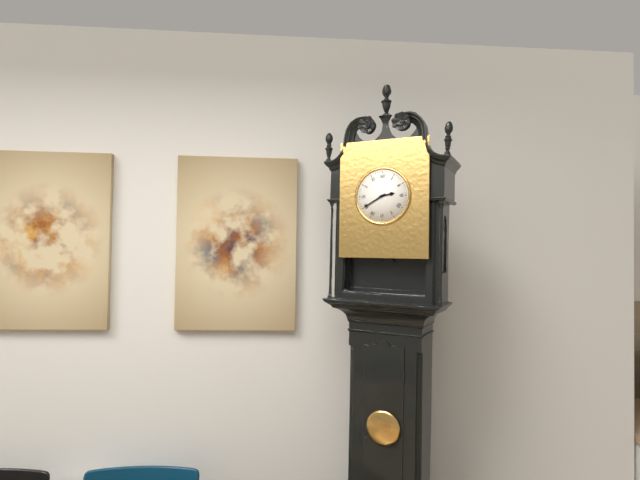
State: 2:40
